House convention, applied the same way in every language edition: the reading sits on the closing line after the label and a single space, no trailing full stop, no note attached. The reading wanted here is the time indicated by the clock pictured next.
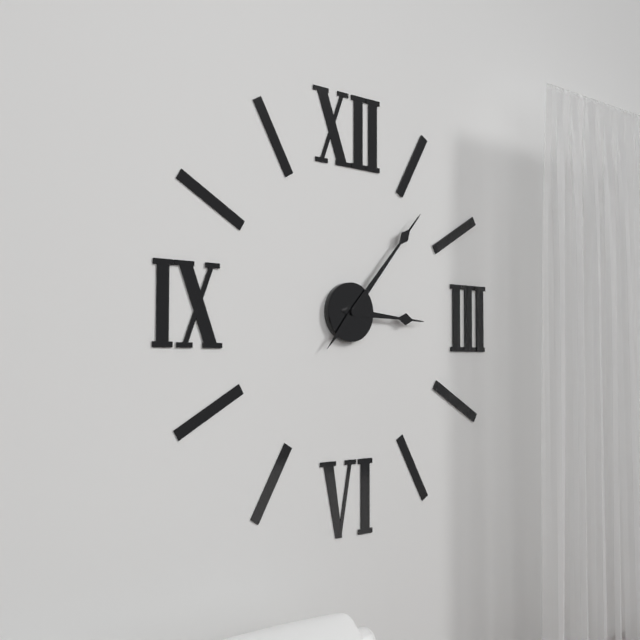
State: 3:07
